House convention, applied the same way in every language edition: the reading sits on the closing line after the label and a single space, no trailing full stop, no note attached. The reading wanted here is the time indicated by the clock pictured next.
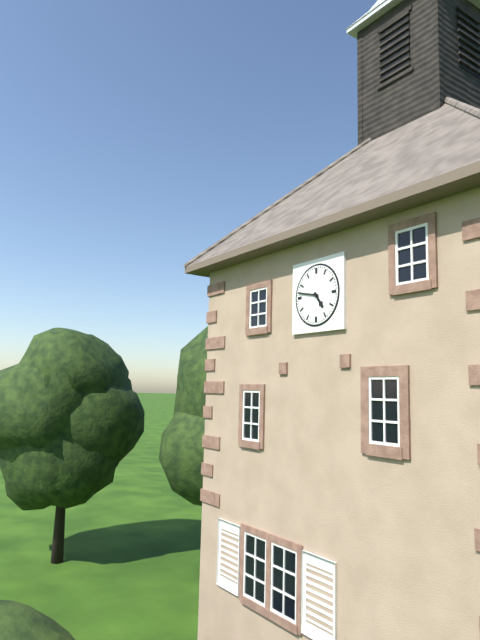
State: 4:47
